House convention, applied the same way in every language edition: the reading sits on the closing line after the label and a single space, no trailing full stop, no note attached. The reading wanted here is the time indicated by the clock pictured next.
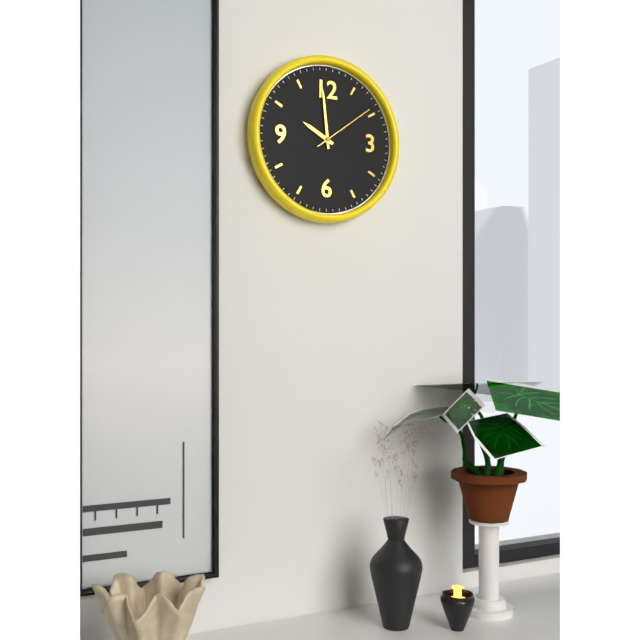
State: 9:59:09
